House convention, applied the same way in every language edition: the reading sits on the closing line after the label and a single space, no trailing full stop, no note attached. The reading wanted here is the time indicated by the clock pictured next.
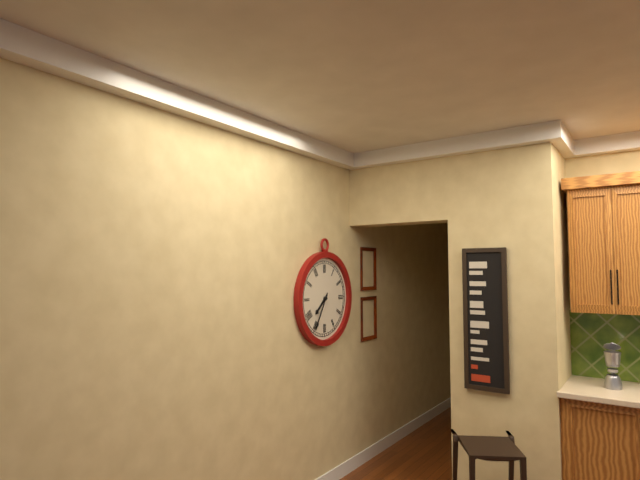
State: 7:35
